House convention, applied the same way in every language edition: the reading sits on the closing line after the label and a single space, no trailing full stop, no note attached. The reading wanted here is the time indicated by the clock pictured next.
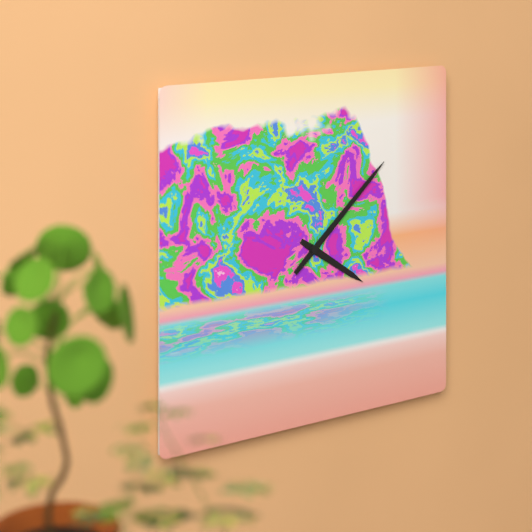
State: 4:08
